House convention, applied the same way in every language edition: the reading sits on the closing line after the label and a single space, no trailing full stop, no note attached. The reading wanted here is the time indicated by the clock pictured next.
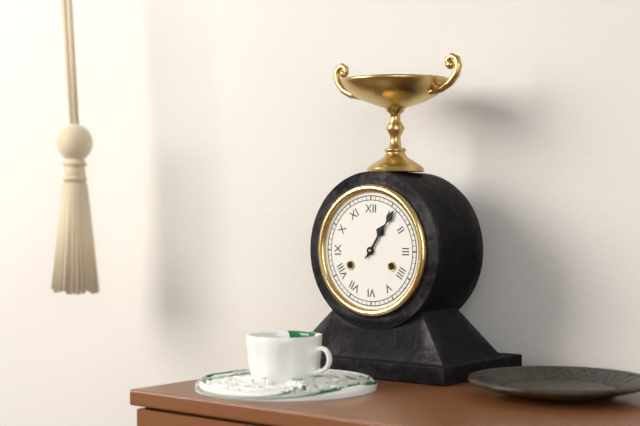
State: 1:06
